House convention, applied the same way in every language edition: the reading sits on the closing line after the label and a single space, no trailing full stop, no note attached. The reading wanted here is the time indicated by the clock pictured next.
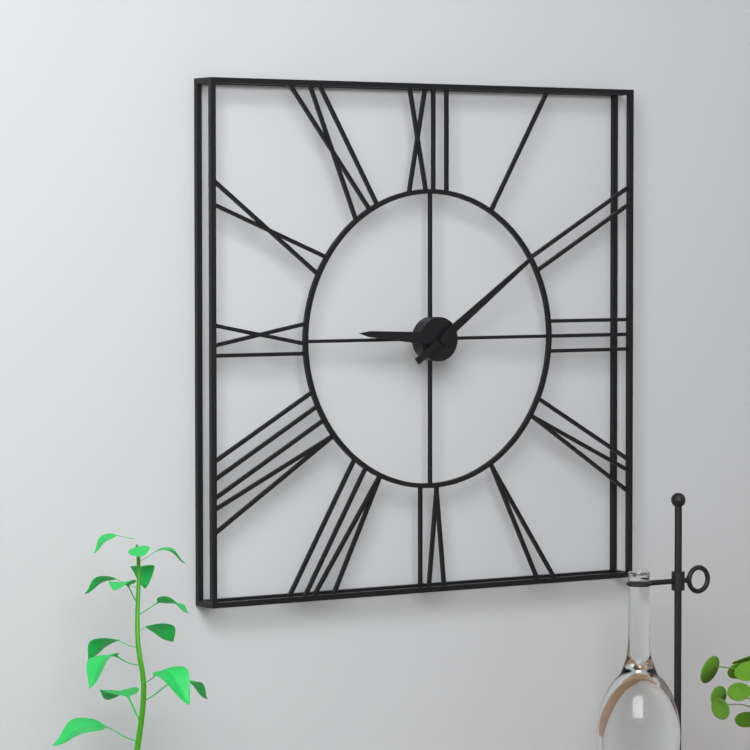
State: 9:09
